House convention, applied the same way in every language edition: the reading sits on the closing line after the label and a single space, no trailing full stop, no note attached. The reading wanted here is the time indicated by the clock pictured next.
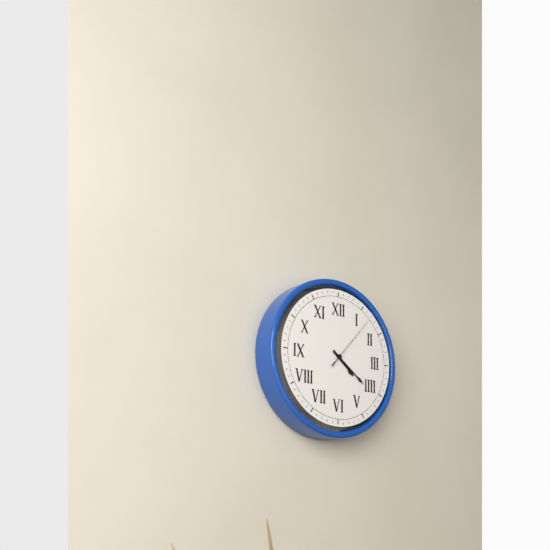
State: 4:21:07
